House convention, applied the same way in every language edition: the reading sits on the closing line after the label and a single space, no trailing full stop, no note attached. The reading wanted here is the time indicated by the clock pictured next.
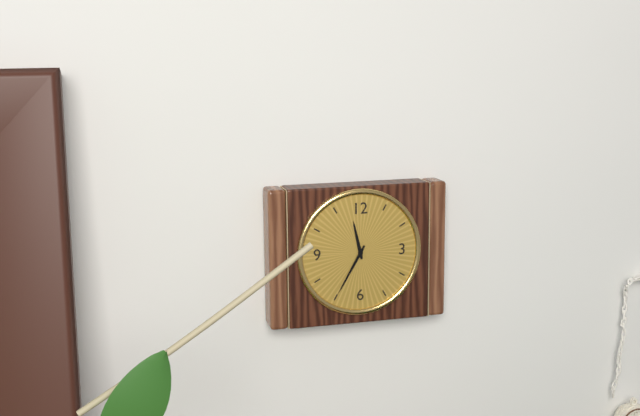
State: 11:35
